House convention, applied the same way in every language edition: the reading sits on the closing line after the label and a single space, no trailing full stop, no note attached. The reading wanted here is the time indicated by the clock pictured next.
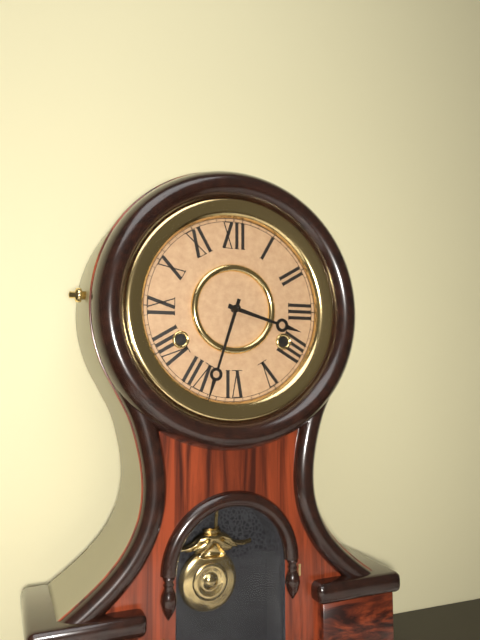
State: 3:33
